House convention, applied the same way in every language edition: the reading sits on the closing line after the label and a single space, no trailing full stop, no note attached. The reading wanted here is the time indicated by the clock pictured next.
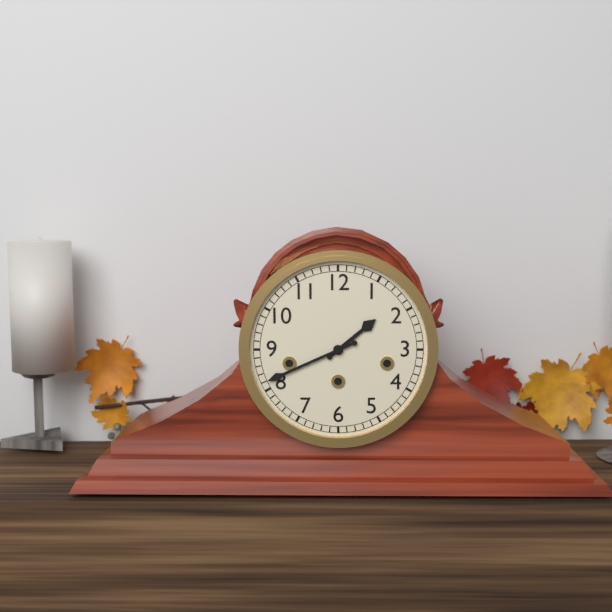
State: 1:41
